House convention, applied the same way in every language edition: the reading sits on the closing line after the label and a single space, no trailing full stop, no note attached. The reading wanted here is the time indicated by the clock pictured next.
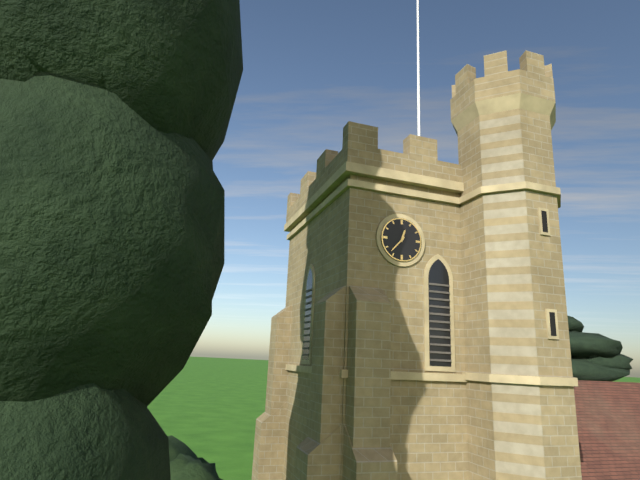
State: 12:37
